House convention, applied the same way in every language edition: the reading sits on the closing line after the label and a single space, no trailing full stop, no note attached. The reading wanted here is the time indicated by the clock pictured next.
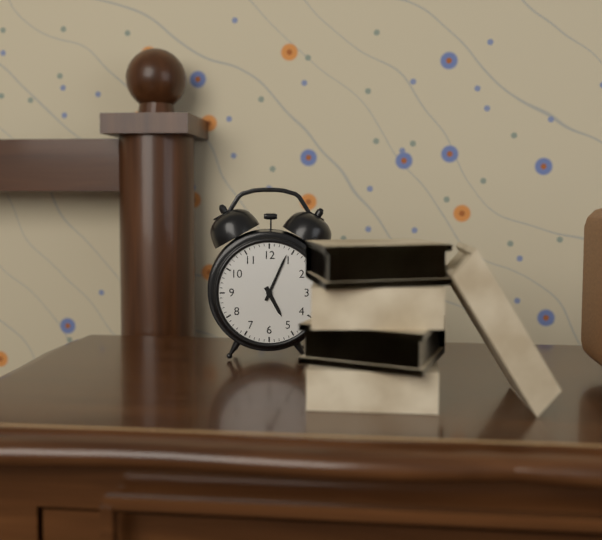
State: 5:04
